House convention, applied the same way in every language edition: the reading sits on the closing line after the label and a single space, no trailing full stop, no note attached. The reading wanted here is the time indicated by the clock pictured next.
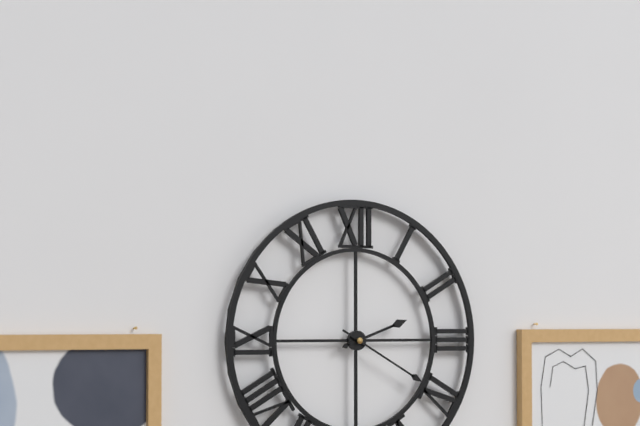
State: 2:20
